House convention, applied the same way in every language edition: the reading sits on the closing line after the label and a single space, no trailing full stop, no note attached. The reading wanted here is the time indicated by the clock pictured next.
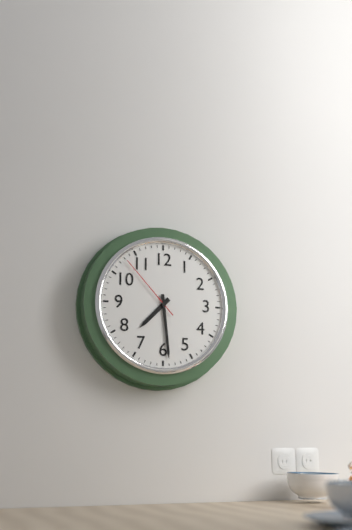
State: 7:29:53
